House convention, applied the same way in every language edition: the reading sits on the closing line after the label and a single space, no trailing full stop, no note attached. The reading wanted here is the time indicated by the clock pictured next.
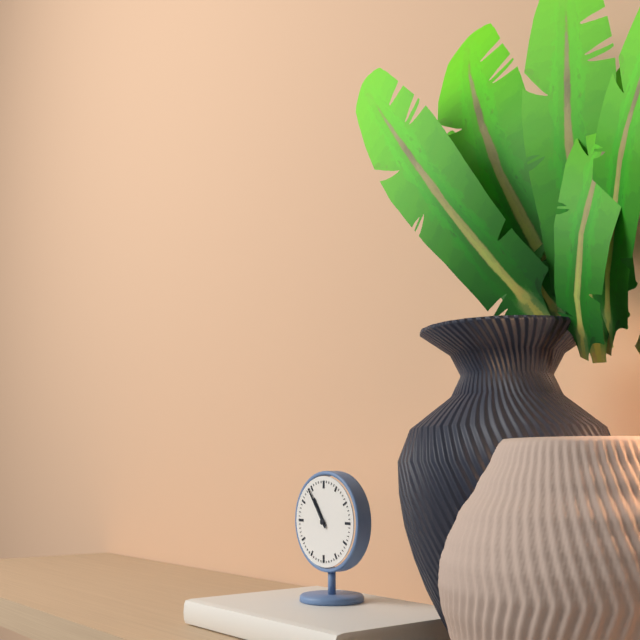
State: 10:54
